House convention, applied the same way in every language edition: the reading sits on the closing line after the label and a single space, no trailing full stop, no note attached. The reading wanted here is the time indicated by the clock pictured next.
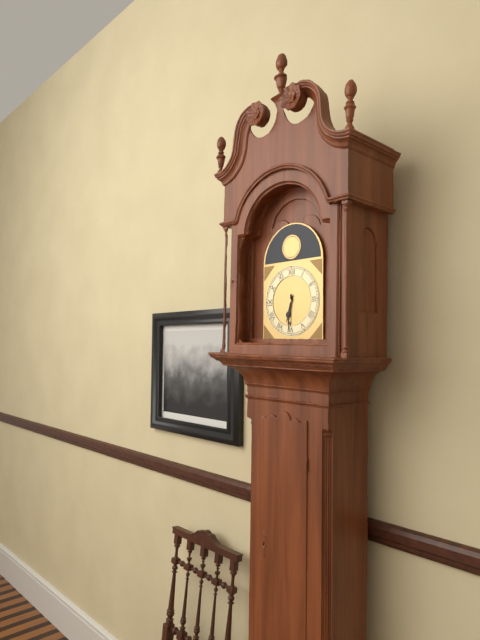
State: 6:31
